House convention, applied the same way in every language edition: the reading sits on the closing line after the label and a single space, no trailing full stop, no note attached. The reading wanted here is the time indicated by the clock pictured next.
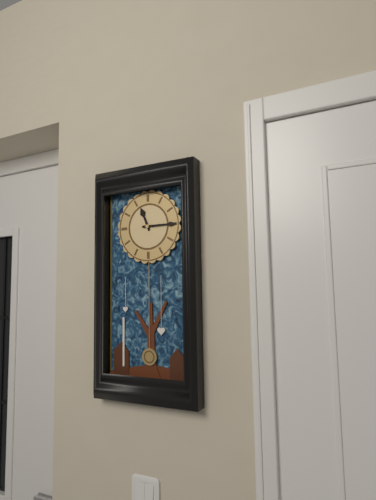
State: 11:15
